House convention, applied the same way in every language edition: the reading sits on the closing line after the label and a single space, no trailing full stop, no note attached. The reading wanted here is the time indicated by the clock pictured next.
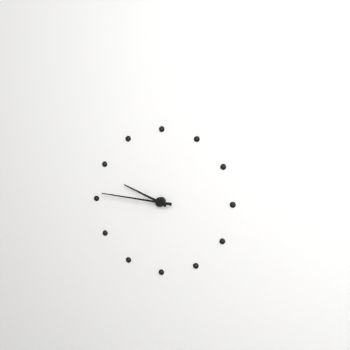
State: 9:46
